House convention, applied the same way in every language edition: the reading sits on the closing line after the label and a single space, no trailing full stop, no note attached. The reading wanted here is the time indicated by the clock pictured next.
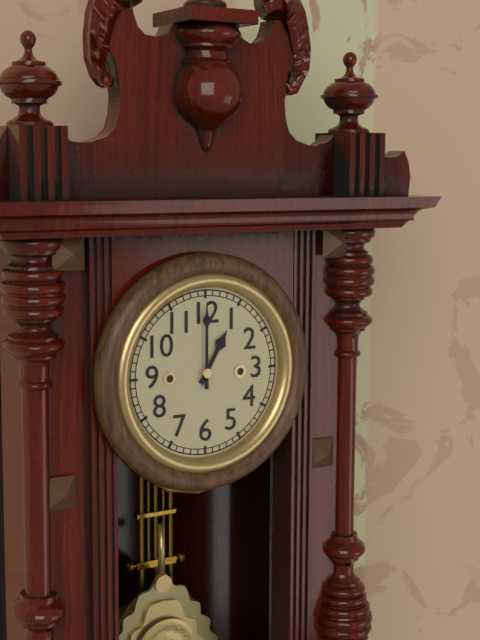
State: 1:00
